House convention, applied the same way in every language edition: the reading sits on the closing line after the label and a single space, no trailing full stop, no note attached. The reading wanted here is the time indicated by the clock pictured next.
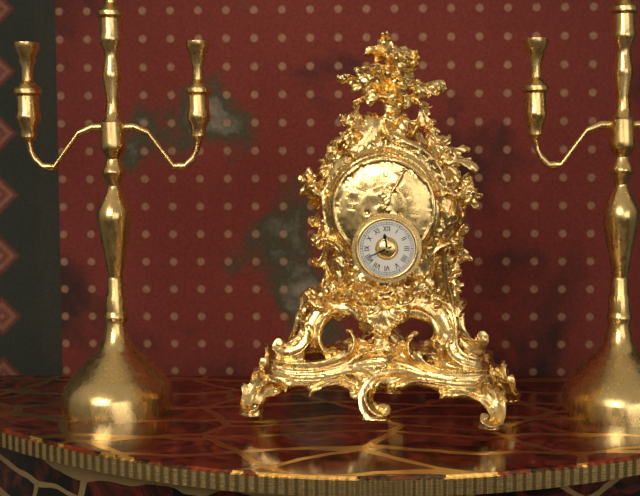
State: 11:41
